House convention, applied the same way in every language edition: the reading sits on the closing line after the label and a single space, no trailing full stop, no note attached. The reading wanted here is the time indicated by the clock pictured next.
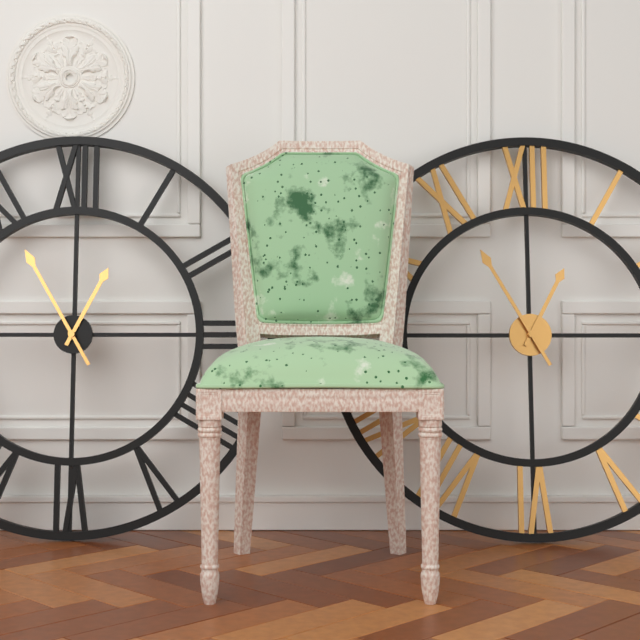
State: 12:55
